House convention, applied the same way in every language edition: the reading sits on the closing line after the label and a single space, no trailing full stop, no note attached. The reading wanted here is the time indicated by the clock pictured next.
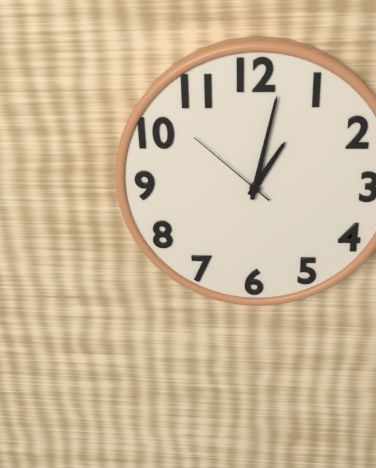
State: 1:02:52
